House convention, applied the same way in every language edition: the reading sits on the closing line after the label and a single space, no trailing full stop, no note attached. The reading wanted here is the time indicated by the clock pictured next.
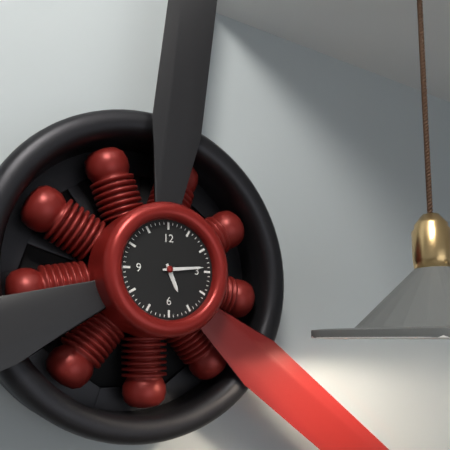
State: 5:14
